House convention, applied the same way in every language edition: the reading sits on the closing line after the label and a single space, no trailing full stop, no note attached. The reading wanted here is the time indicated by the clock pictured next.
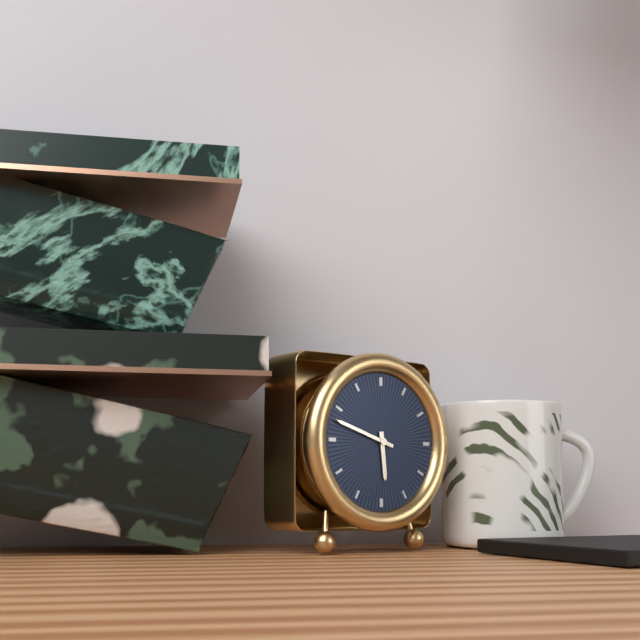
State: 5:48
